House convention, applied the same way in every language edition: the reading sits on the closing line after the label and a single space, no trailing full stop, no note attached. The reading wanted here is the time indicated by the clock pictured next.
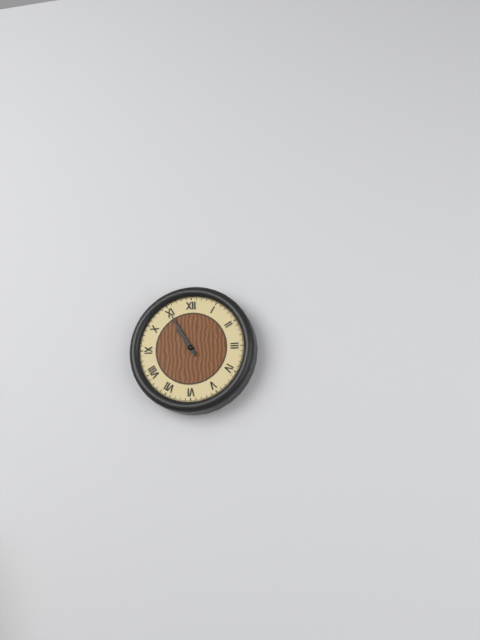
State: 10:55
